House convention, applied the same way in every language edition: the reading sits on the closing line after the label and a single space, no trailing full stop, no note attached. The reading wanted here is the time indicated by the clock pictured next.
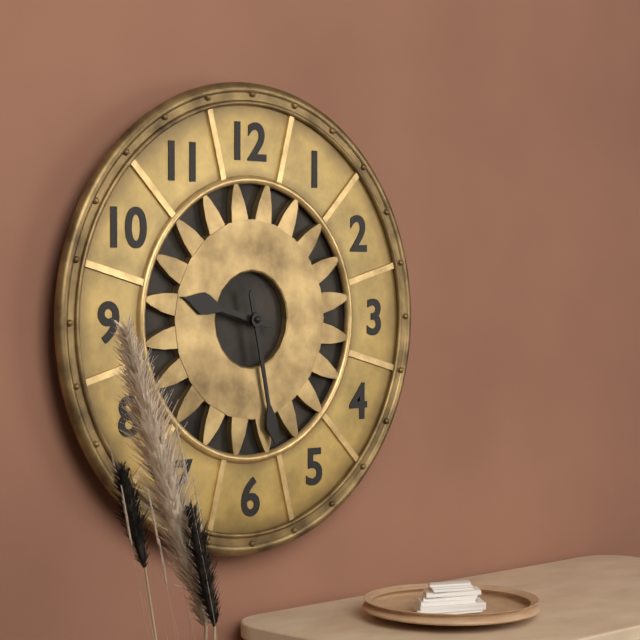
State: 9:28
